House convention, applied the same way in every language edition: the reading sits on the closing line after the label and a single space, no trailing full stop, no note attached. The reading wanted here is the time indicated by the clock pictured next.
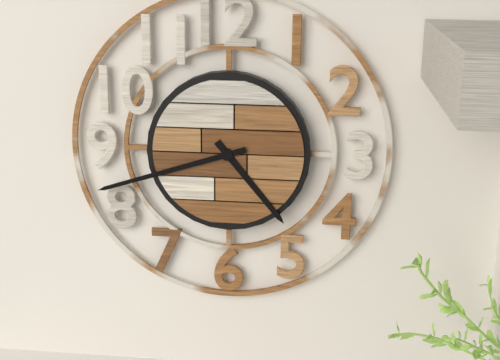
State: 4:42
